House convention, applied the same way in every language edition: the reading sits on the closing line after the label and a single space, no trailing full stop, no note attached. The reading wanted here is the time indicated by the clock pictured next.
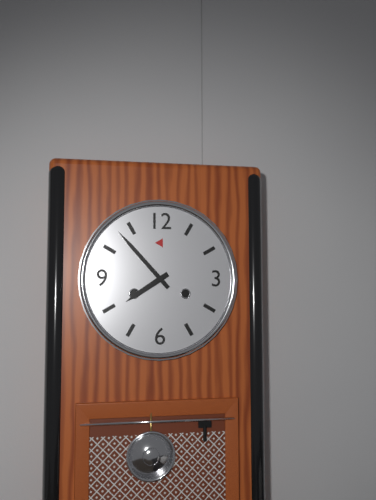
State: 7:53
